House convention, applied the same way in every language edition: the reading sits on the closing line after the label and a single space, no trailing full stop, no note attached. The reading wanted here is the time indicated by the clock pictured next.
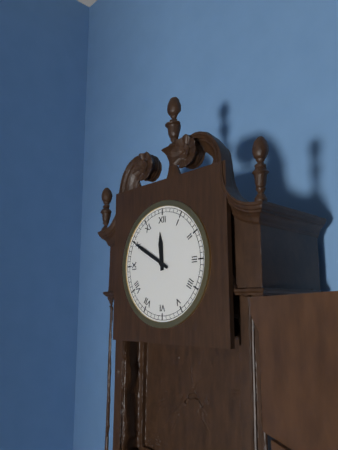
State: 11:50
